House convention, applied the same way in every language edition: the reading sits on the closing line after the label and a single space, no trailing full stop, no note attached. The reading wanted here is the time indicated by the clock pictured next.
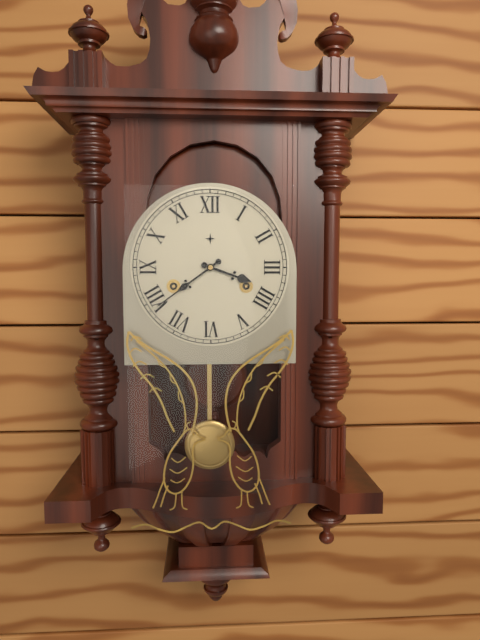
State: 3:39
